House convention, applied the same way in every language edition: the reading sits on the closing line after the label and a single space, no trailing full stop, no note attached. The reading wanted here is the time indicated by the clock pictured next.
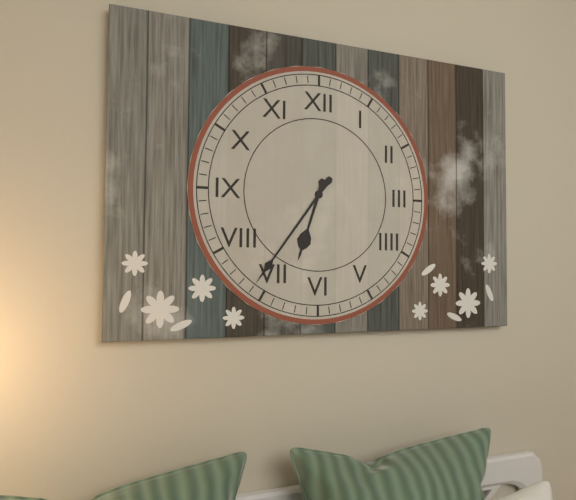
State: 6:36
